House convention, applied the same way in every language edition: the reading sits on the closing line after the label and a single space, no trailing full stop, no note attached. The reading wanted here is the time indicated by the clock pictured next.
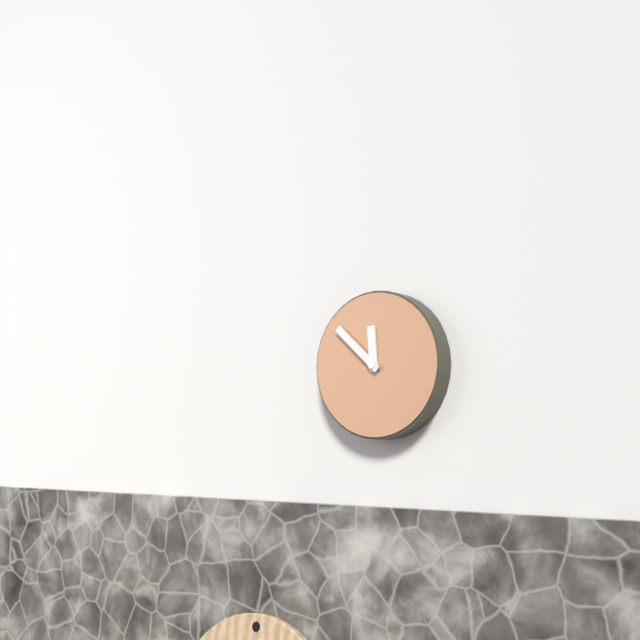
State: 11:52
